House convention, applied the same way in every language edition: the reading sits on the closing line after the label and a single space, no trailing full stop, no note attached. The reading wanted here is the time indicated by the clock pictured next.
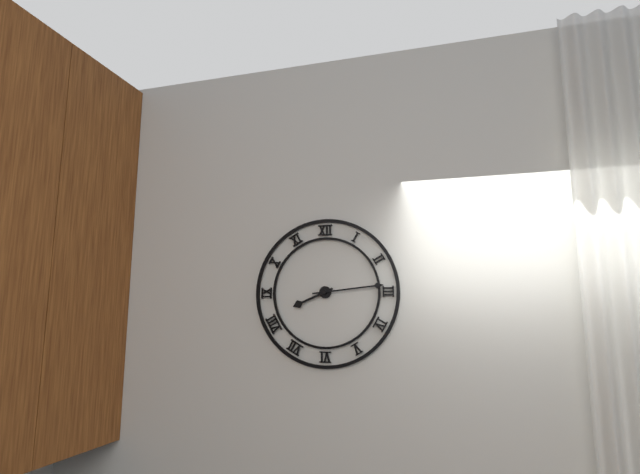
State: 8:14
